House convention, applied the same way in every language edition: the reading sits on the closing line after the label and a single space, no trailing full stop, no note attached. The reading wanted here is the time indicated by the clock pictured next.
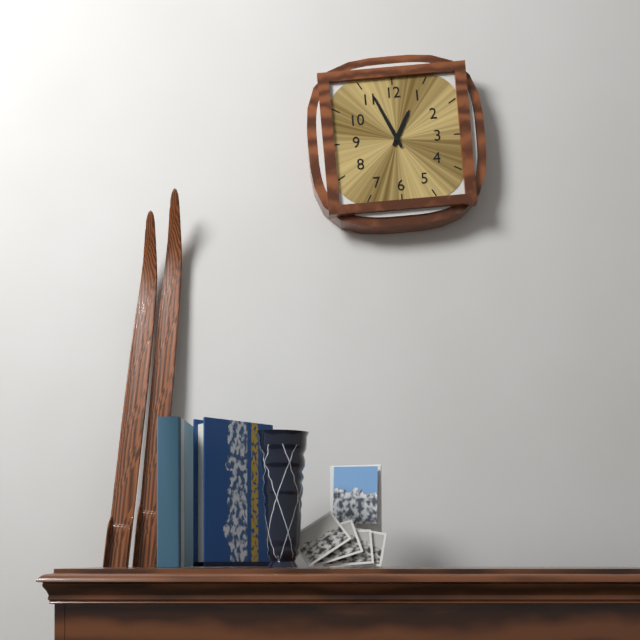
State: 12:56
